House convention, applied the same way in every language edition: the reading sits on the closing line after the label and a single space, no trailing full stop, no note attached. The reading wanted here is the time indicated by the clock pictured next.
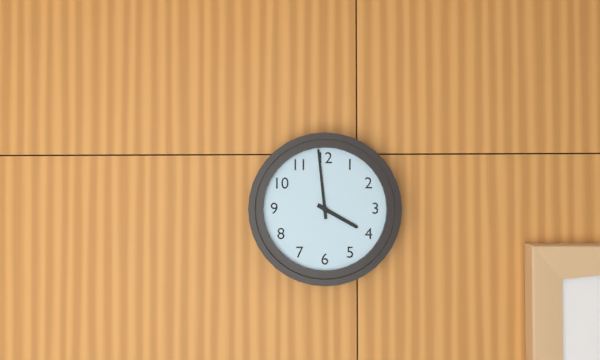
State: 3:59
